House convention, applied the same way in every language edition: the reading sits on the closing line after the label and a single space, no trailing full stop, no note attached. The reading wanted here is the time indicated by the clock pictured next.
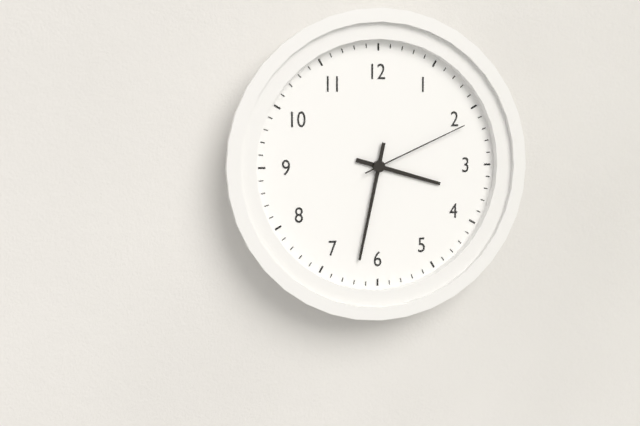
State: 3:32:11
